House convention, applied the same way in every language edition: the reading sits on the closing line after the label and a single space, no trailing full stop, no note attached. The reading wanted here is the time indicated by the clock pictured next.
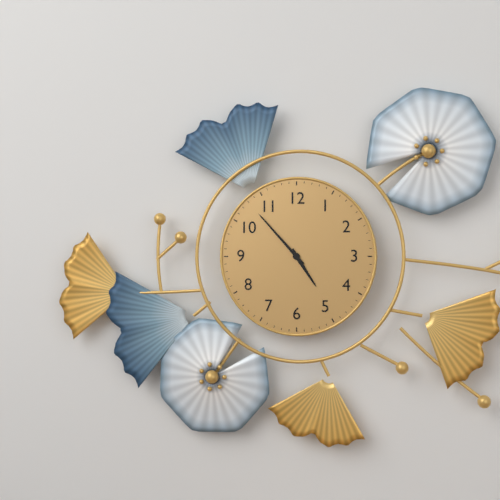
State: 4:53
